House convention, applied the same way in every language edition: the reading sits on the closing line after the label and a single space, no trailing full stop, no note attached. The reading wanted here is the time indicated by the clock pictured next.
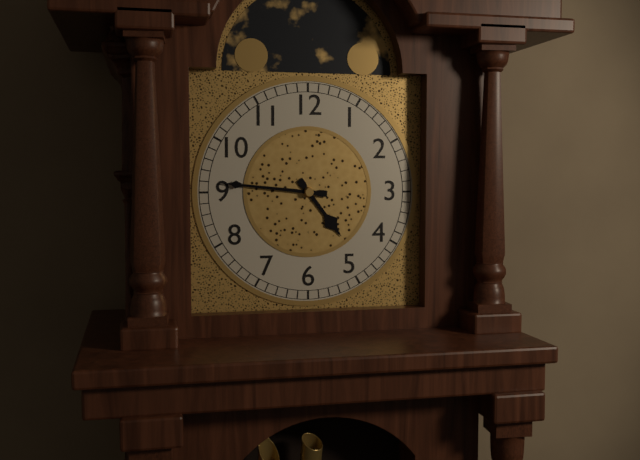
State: 4:46
